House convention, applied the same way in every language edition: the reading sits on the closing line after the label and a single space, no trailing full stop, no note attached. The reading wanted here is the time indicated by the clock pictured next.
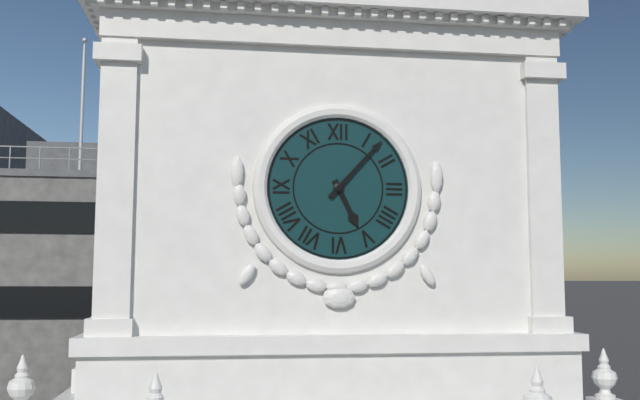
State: 5:07
